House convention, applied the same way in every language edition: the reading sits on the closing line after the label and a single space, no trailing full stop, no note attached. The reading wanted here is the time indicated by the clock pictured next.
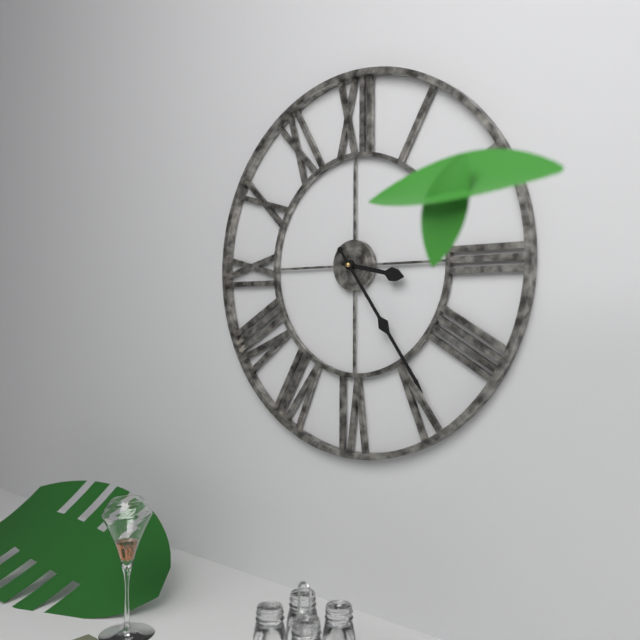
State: 3:24
